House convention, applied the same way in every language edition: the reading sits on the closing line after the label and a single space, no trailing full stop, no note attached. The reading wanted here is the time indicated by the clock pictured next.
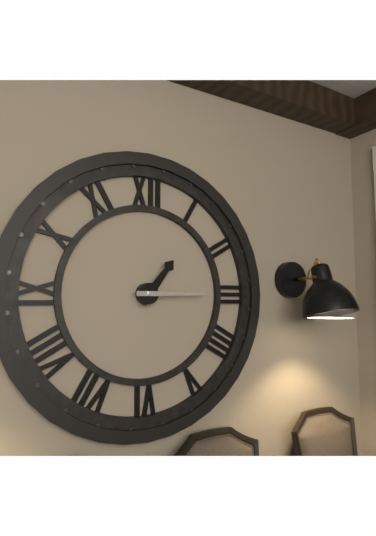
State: 1:15
